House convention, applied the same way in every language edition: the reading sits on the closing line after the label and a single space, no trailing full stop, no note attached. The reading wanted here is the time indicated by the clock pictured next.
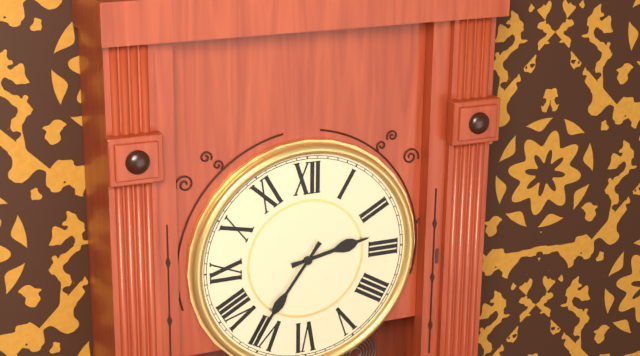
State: 2:36
